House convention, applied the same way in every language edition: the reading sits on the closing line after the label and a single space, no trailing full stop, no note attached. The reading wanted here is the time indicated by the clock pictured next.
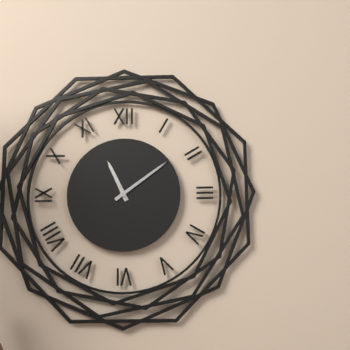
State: 11:09
